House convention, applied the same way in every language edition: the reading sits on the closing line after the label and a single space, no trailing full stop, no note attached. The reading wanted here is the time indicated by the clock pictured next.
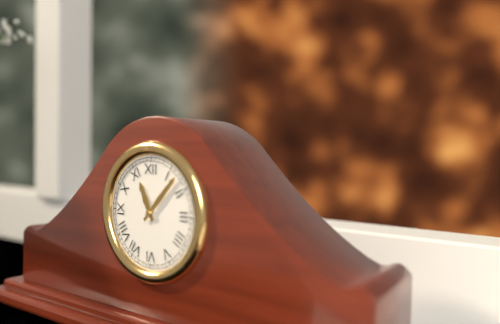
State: 11:07
